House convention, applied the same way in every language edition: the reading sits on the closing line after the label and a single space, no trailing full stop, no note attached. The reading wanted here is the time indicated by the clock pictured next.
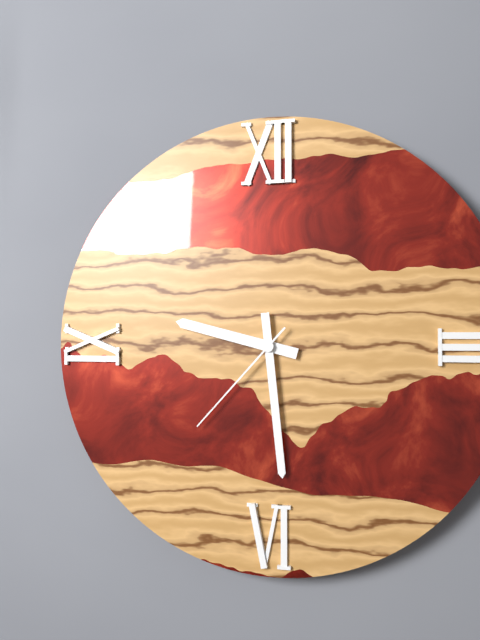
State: 9:29:37
